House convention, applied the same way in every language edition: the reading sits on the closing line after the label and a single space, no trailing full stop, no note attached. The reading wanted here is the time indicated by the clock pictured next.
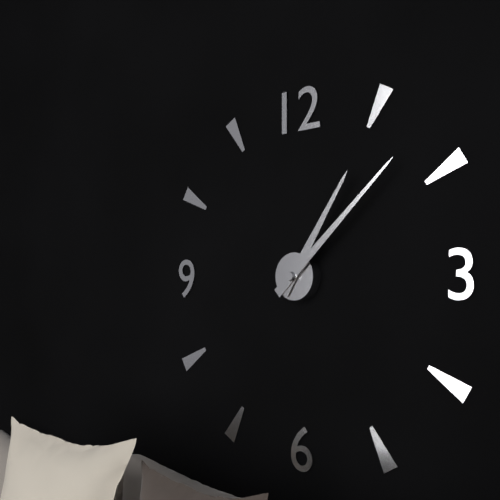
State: 1:08
